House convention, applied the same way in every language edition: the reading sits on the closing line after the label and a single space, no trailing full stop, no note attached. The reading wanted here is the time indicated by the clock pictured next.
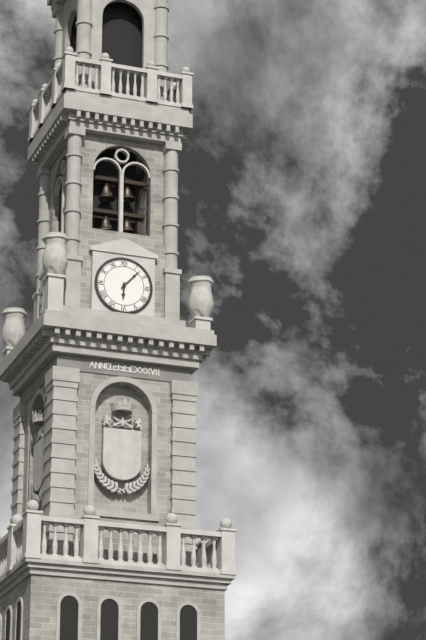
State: 6:07
